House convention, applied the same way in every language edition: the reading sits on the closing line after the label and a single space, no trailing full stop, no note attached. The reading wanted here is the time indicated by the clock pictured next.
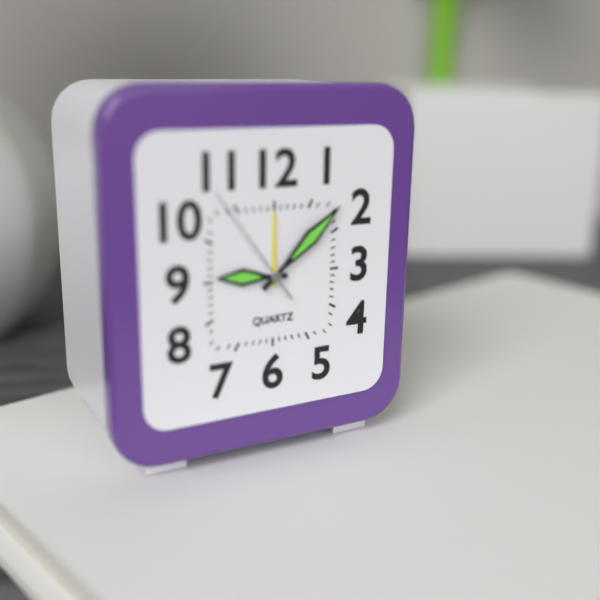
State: 9:08:54
